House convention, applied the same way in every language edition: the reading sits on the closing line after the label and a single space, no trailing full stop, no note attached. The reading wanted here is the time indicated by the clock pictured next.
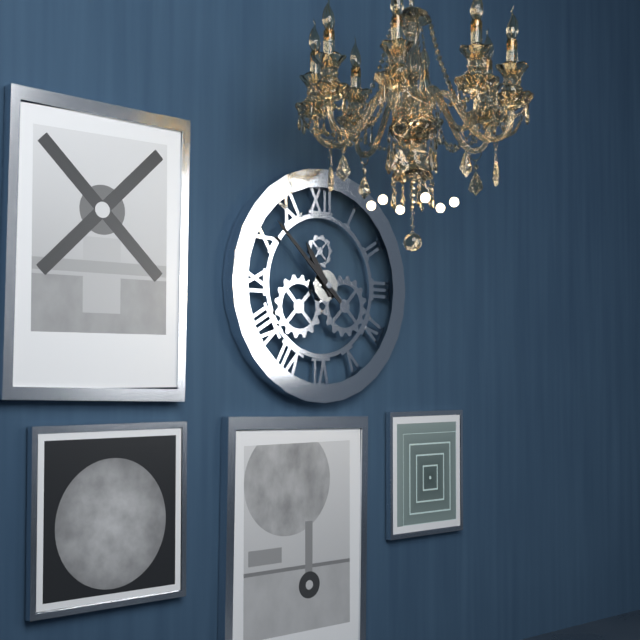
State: 10:52
